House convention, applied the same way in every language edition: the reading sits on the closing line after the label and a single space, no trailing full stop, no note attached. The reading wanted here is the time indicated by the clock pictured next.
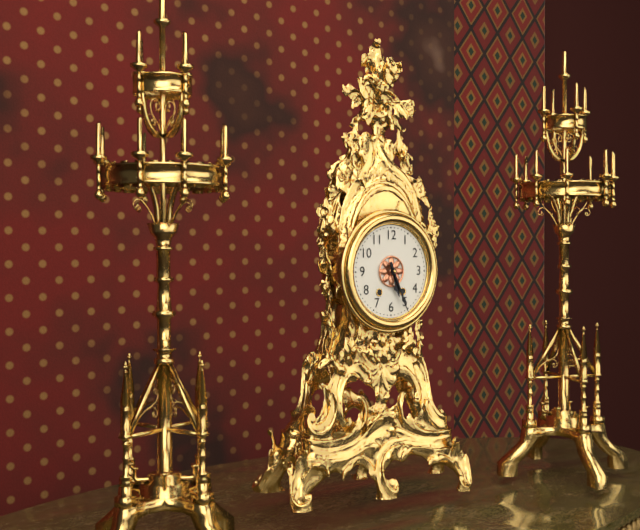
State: 5:26
